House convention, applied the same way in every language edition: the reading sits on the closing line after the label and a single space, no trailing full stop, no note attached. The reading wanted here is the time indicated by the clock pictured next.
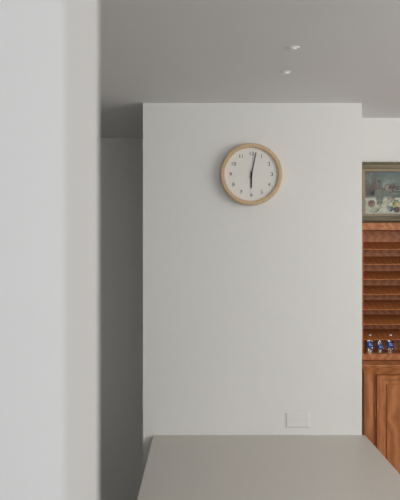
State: 6:02
